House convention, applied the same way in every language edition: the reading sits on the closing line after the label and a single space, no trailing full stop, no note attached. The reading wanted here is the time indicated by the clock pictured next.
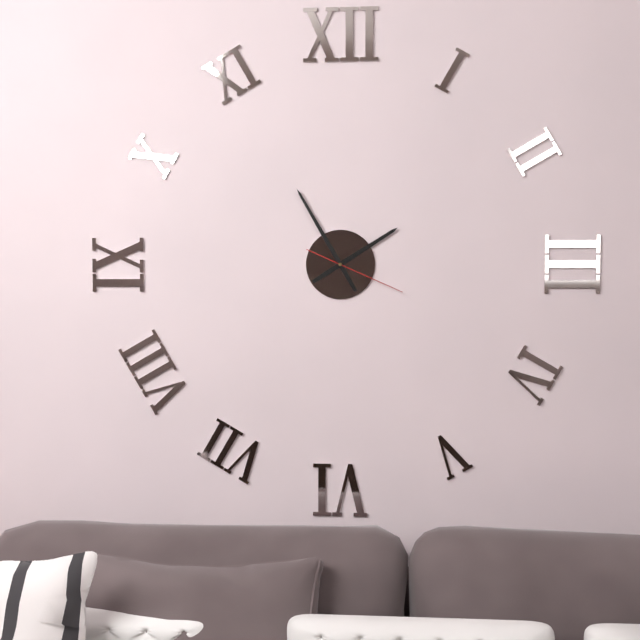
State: 1:55:19
